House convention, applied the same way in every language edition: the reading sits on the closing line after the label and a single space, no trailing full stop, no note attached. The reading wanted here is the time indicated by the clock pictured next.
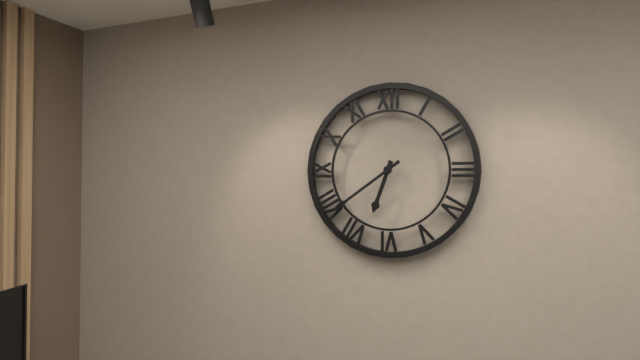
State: 6:39
